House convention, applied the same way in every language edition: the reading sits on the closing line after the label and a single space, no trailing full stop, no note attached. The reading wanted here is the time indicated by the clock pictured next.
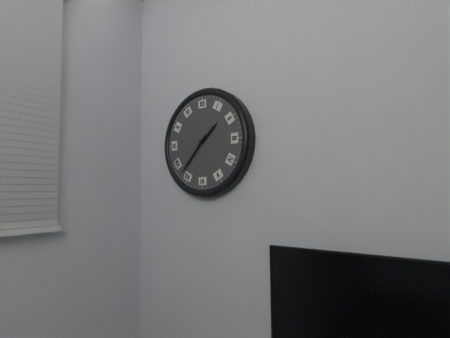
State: 1:37
